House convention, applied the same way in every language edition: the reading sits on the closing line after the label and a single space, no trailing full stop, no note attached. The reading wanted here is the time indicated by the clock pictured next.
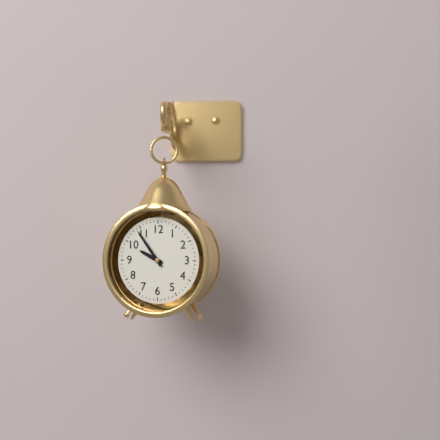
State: 9:54
